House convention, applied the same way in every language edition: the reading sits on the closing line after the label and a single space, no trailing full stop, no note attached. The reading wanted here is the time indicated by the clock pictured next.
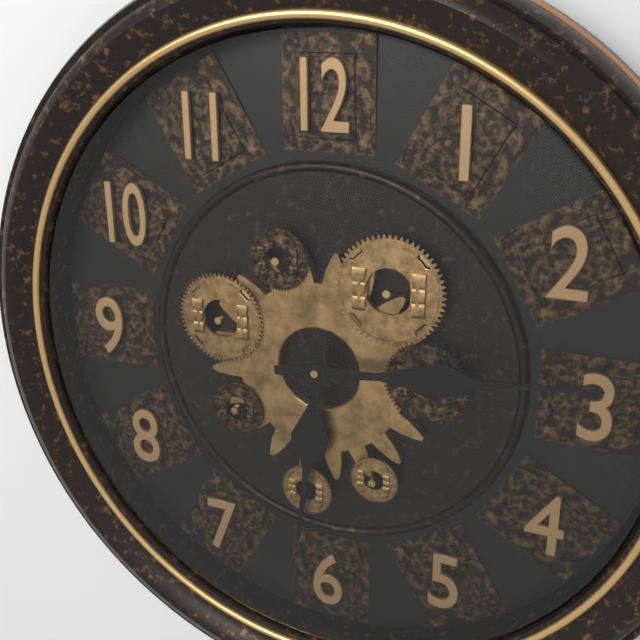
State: 6:14
